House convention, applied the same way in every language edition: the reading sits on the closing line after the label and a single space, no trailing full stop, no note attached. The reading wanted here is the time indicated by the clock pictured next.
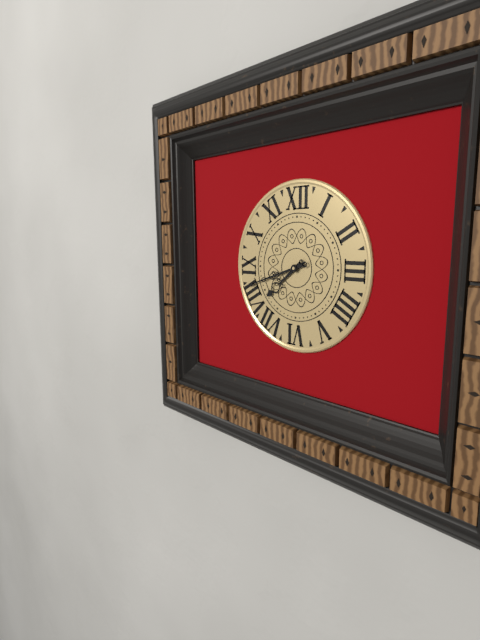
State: 7:42
